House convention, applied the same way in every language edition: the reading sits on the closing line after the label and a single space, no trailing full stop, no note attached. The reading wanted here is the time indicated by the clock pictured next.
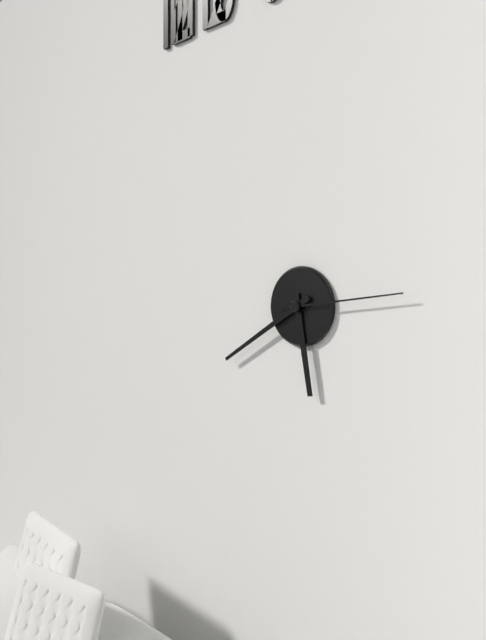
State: 5:40:14
